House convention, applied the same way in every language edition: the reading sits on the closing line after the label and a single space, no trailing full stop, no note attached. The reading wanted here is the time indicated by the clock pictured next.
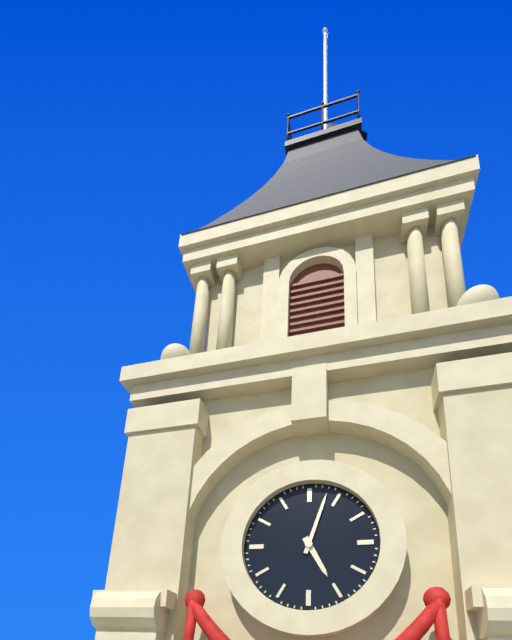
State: 5:03
